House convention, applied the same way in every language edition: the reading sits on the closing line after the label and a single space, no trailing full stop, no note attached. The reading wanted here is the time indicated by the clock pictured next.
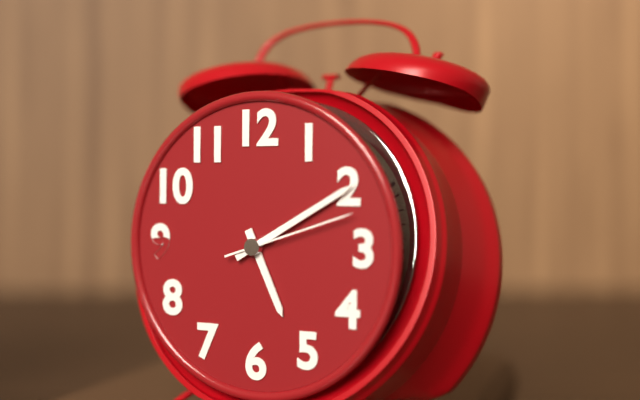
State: 5:10:12
